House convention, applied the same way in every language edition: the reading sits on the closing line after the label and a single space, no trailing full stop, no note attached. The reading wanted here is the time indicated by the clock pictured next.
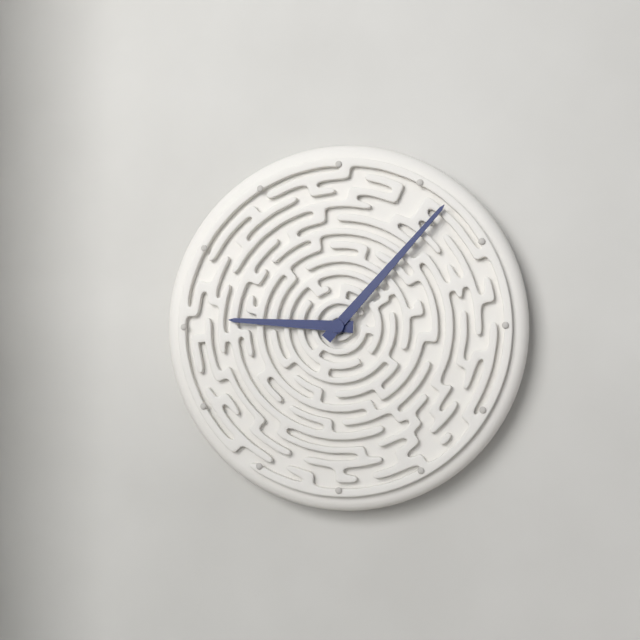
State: 9:07
